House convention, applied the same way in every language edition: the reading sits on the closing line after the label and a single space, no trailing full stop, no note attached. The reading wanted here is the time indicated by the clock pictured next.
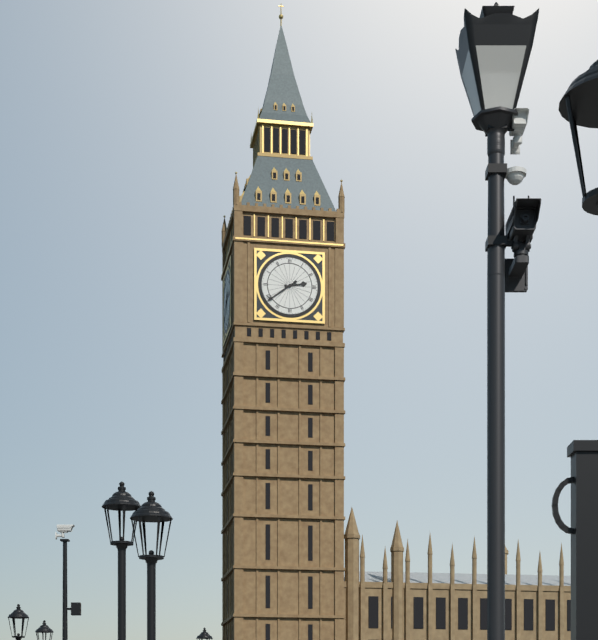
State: 2:39
